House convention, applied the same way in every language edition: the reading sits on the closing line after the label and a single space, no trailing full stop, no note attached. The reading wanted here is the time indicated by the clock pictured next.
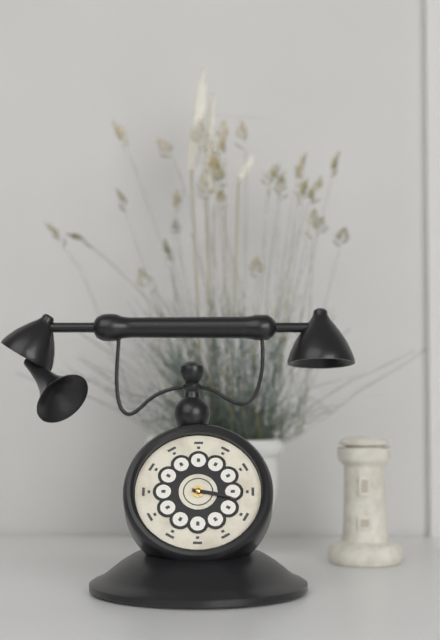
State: 3:17
